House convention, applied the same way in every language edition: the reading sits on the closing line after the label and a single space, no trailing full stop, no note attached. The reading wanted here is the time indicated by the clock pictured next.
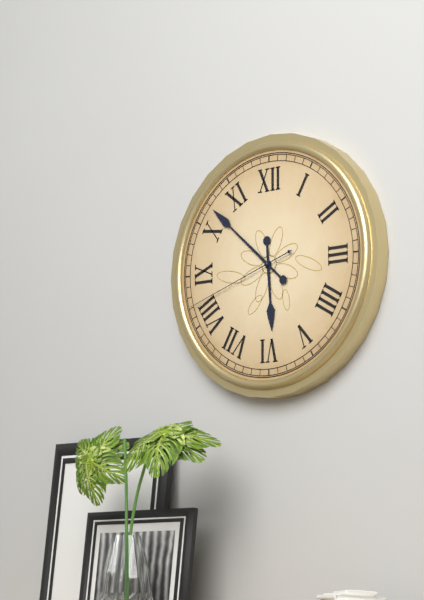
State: 5:52:42
